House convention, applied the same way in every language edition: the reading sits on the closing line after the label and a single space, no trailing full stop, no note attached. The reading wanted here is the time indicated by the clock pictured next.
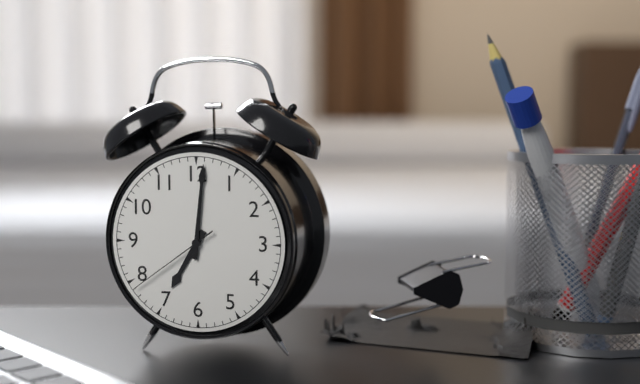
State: 7:01:39
